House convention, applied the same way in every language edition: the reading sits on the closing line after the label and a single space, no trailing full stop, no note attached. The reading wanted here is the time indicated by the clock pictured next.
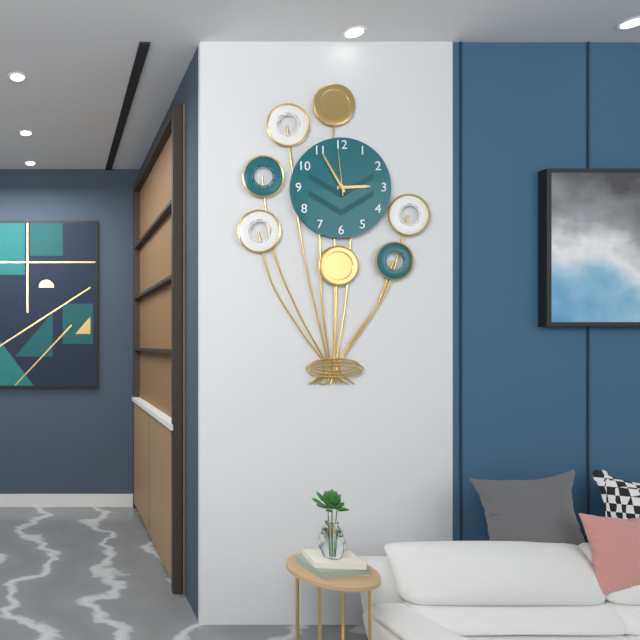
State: 2:55
